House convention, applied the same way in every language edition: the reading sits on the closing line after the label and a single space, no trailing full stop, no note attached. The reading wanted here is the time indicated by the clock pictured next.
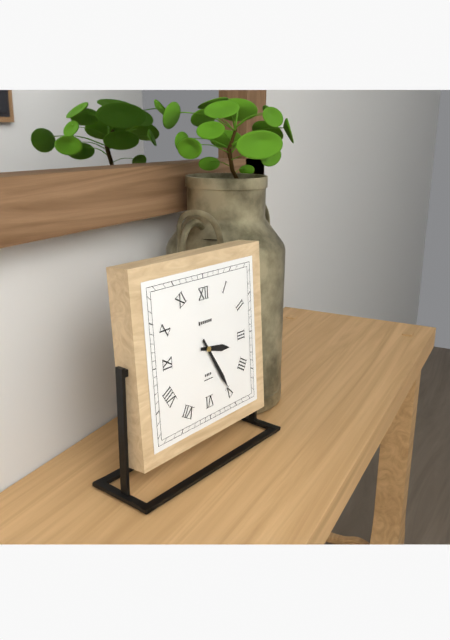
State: 3:25
